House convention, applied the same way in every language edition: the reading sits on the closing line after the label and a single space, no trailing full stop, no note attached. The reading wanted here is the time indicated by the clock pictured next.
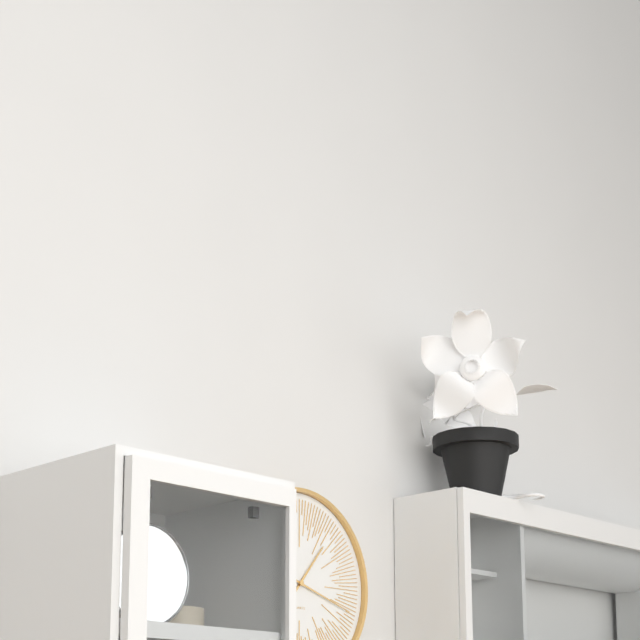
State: 1:18
